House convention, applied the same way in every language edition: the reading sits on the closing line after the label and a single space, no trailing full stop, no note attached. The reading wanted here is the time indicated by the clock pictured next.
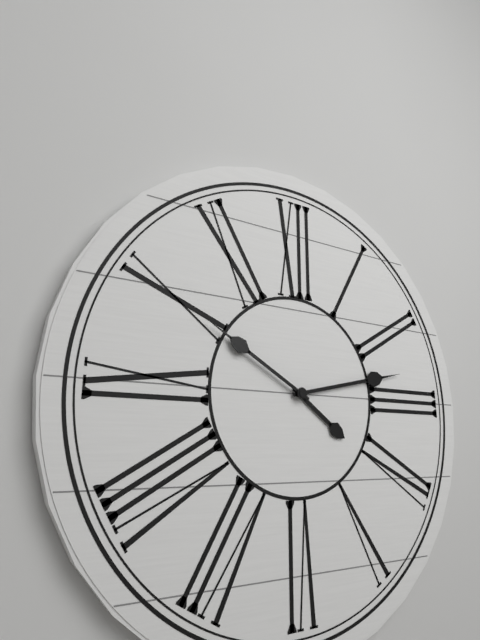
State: 4:13:50
